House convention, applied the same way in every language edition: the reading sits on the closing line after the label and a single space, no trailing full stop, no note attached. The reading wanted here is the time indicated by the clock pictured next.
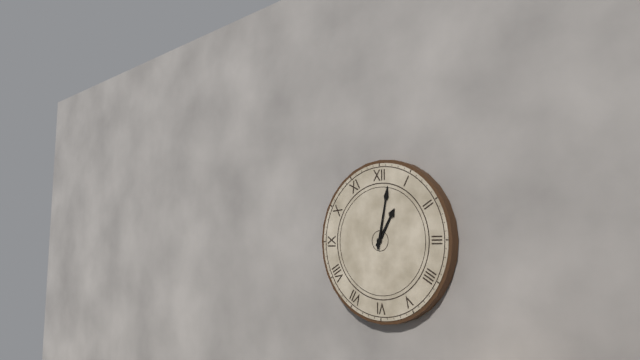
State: 1:02
